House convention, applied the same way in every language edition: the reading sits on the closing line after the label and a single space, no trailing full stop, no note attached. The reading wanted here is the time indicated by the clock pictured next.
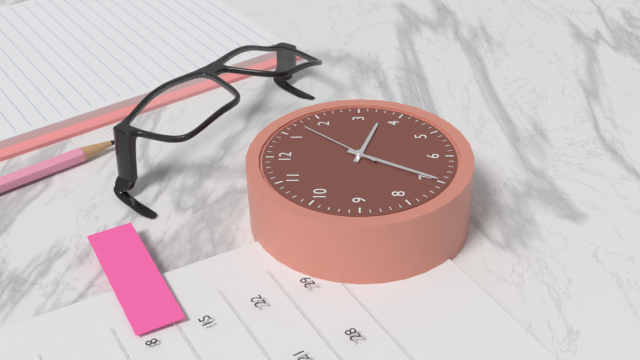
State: 3:35:07
